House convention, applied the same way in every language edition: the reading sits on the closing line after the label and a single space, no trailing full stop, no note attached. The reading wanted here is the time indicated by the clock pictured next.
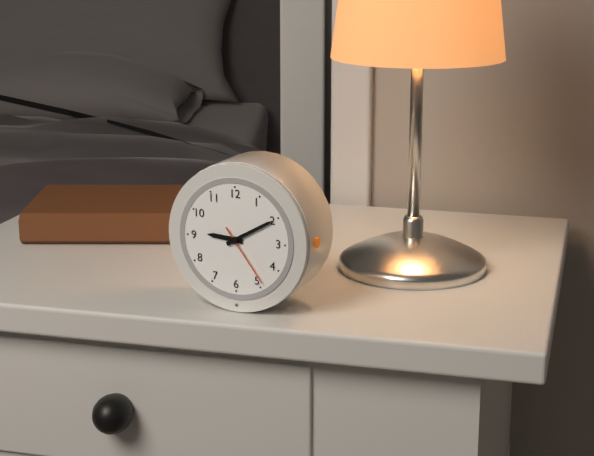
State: 9:10:24
